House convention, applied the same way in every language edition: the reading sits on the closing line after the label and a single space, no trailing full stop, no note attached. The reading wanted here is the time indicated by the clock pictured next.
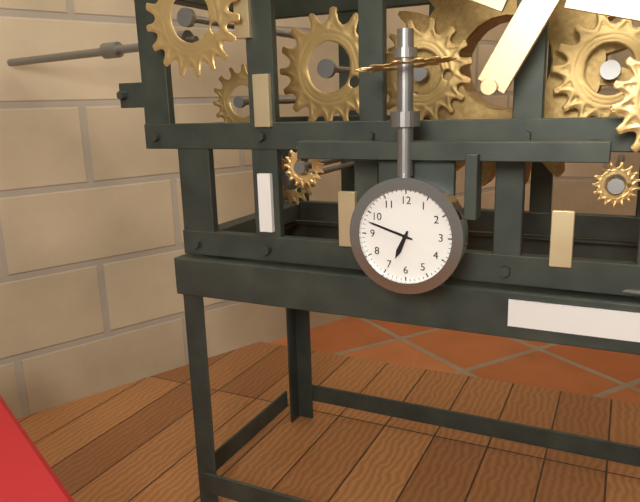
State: 6:48
